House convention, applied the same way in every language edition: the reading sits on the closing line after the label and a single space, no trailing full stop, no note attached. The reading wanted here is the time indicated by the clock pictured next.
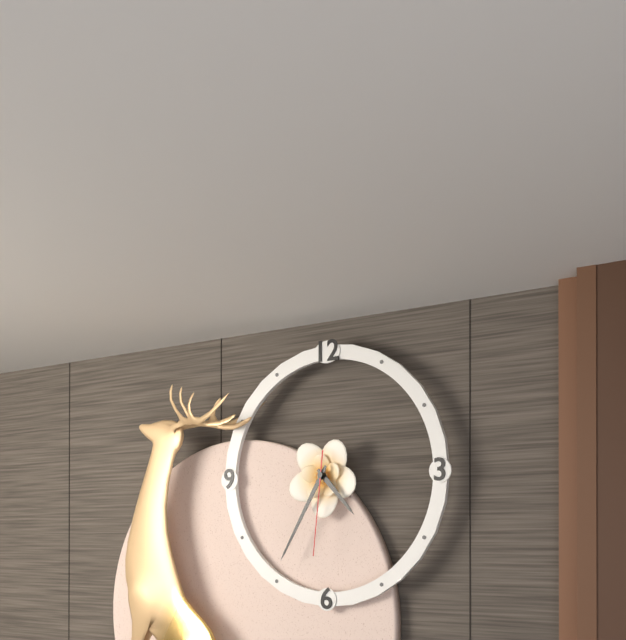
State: 4:35:31
